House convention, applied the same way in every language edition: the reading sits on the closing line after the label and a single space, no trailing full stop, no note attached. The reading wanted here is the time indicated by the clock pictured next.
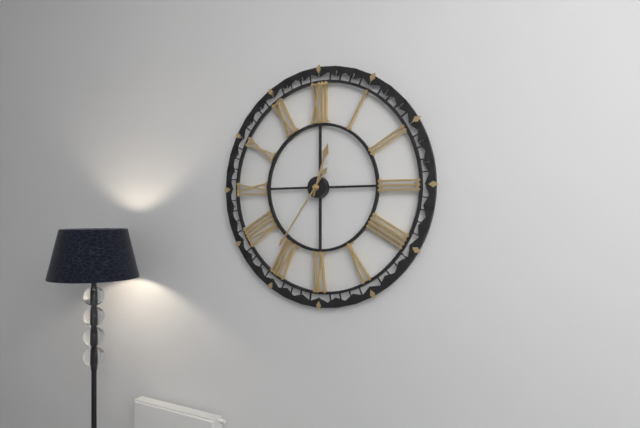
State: 12:36
